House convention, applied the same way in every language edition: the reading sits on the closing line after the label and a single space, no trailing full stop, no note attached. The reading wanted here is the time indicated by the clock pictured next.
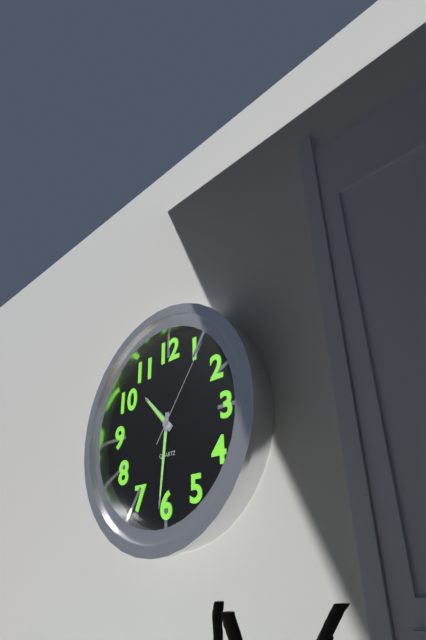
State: 10:31:06
